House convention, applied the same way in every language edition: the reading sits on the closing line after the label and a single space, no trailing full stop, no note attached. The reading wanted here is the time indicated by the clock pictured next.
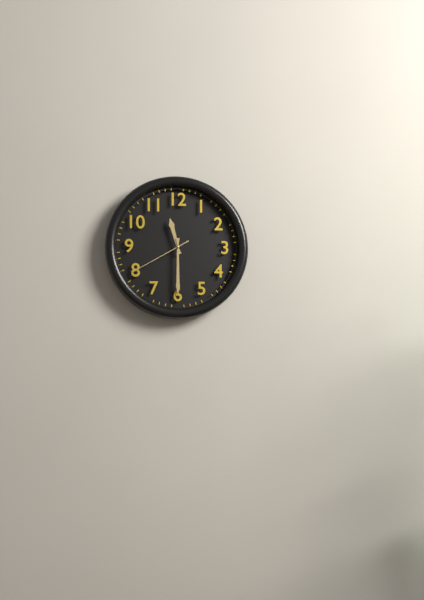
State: 11:30:40
